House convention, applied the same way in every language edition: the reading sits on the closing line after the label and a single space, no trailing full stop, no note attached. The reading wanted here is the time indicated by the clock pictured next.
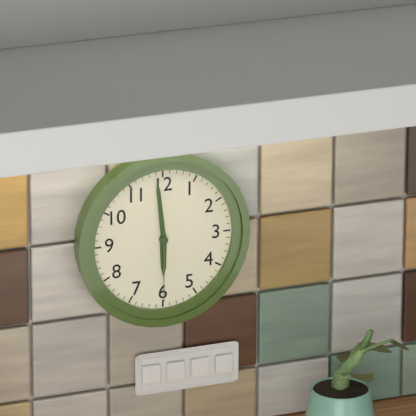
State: 5:59:30
